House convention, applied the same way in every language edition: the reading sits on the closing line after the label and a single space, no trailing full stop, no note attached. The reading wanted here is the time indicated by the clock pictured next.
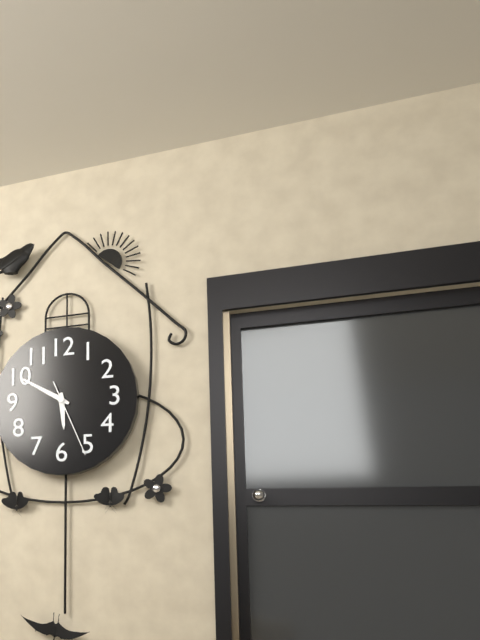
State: 5:50:26
